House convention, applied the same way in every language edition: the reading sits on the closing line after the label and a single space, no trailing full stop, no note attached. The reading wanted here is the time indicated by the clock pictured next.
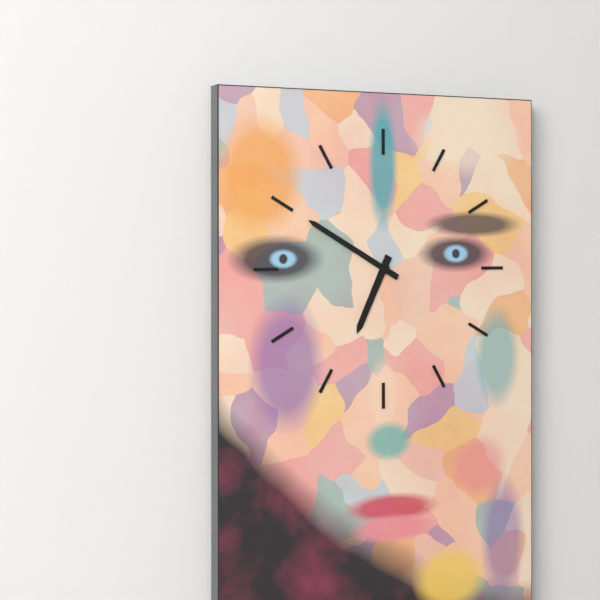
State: 6:50
